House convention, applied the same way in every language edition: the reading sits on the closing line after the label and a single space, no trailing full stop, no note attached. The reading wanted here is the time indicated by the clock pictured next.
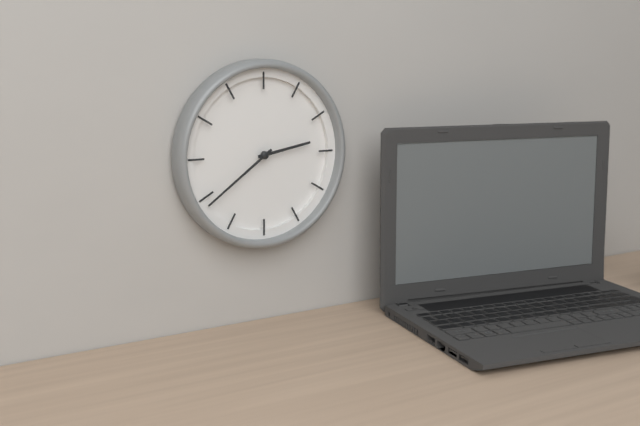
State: 2:39
